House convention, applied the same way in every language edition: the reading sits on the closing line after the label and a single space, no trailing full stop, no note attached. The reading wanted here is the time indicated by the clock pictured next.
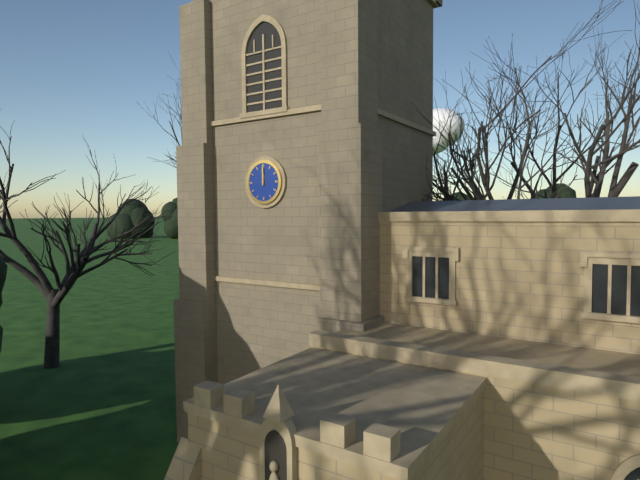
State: 12:00
